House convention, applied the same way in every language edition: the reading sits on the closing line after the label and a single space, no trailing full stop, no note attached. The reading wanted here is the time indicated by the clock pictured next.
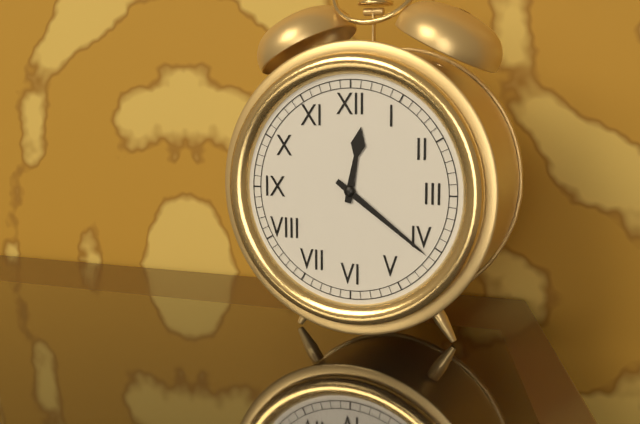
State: 12:21
